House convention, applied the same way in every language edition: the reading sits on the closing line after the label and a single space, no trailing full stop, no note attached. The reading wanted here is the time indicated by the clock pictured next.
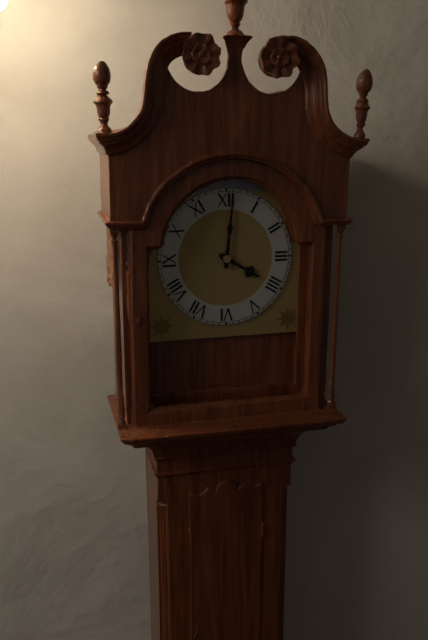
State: 4:01
